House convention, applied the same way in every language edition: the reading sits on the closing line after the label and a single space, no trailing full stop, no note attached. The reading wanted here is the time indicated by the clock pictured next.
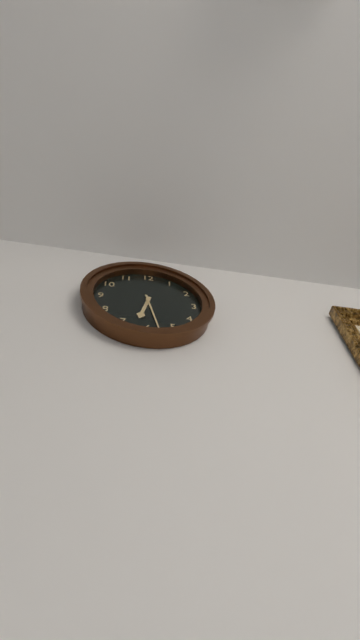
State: 6:28
